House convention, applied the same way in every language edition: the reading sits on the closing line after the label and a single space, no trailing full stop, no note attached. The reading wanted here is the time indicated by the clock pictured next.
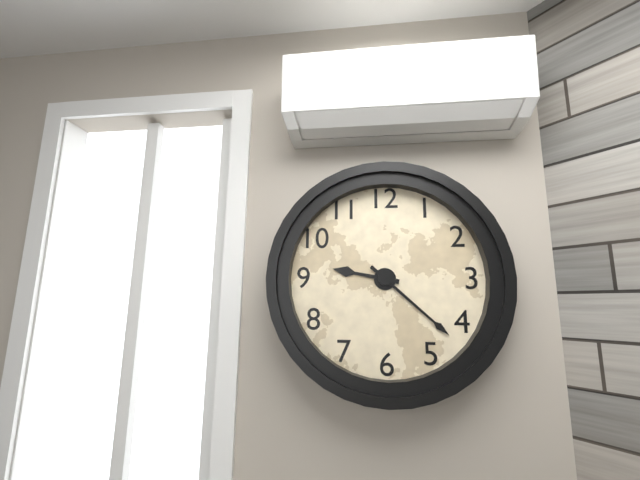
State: 9:22
